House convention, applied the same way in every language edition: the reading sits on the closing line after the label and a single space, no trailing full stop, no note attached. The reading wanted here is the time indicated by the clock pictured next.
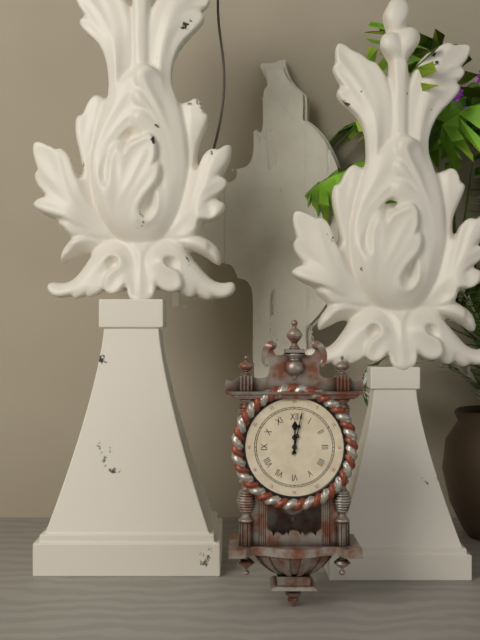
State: 12:02
